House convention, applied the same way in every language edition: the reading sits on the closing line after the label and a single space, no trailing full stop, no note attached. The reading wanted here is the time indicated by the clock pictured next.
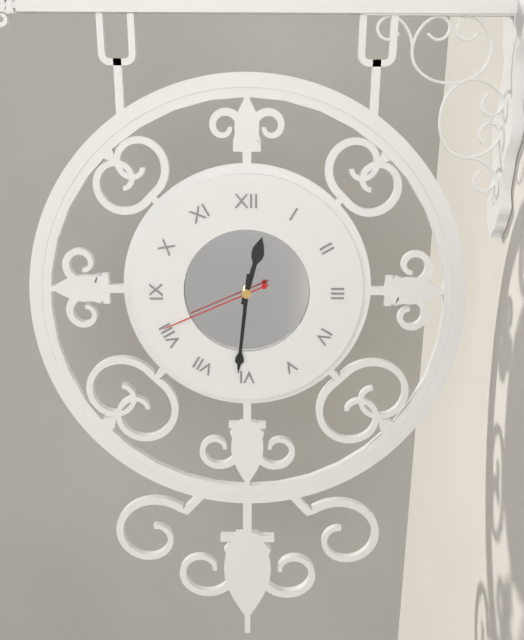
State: 12:31:41
